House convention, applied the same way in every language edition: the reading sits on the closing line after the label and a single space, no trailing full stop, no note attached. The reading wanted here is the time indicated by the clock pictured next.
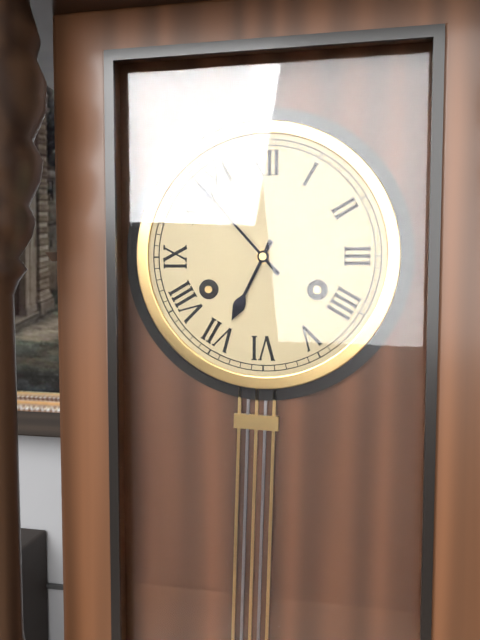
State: 6:53
